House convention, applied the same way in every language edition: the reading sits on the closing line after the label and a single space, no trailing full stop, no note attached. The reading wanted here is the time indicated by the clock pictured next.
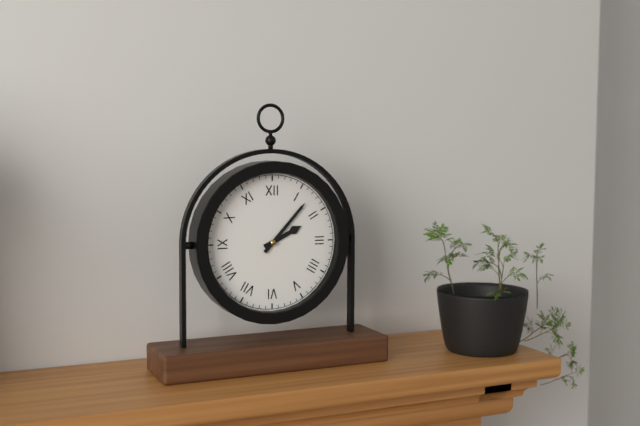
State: 2:07
